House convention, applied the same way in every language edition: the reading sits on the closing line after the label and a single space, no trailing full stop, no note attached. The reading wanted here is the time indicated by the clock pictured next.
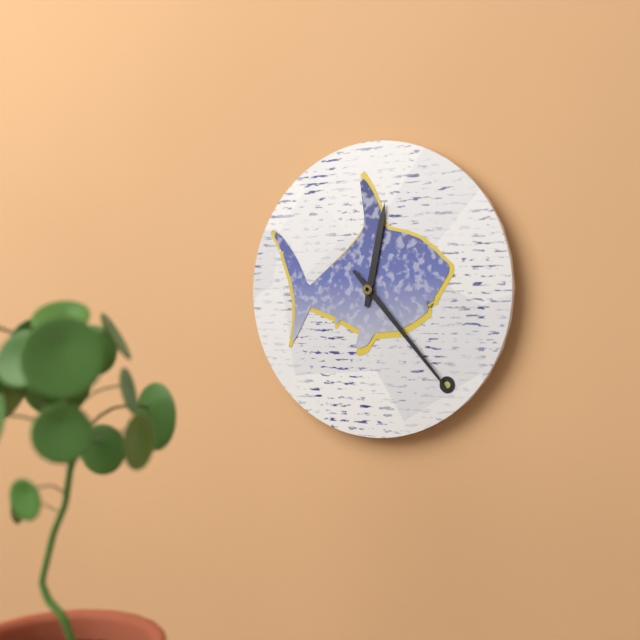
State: 12:23
